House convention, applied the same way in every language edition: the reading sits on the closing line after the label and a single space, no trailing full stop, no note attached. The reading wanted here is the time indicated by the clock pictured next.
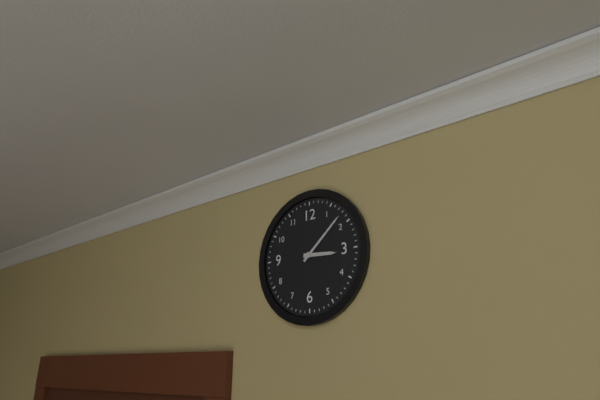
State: 3:08
